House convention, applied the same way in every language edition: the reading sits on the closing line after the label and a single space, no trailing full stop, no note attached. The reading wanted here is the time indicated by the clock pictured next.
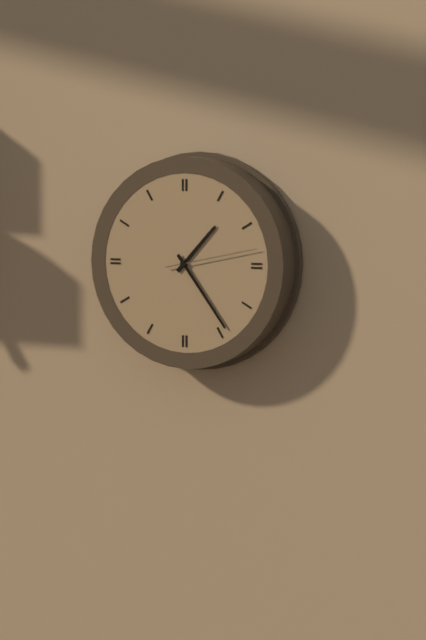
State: 1:24:13
